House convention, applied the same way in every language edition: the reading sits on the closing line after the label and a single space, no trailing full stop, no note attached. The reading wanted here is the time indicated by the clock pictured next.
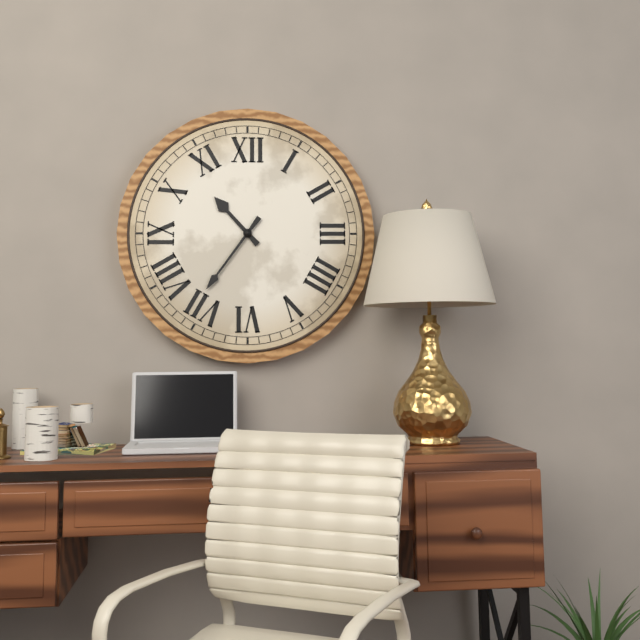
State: 10:36
